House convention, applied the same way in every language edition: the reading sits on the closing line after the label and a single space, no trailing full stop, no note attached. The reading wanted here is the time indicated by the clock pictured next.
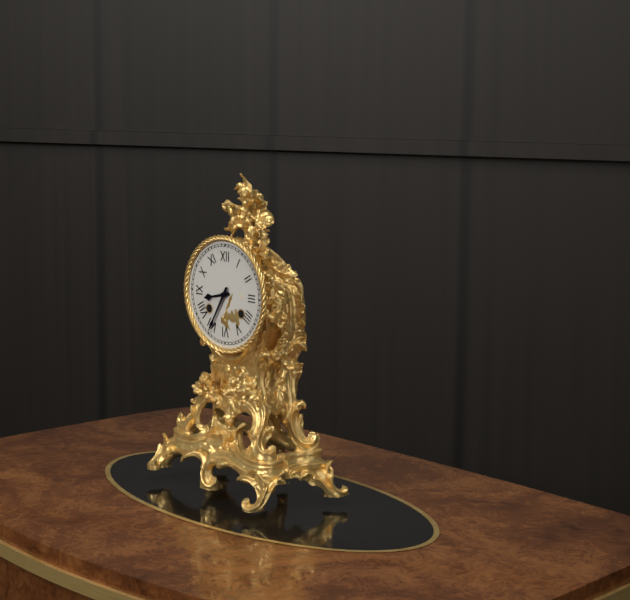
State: 8:35
